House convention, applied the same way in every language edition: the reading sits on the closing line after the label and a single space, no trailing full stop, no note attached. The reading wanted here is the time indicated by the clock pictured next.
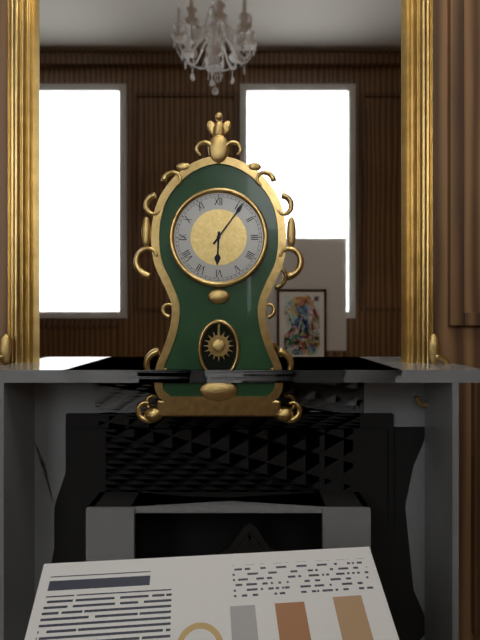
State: 6:06
